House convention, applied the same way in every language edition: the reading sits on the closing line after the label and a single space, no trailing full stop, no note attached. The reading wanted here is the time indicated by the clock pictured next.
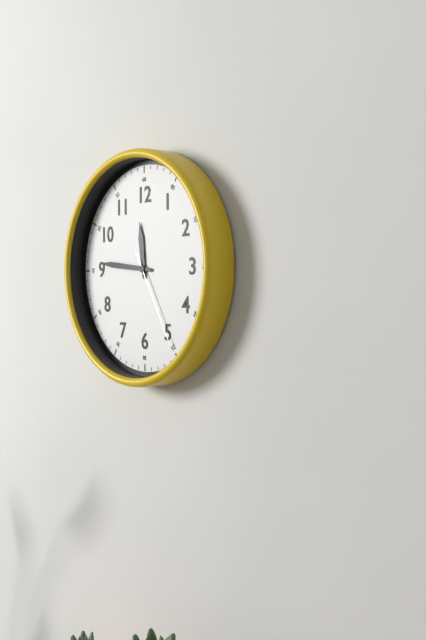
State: 11:46:25
